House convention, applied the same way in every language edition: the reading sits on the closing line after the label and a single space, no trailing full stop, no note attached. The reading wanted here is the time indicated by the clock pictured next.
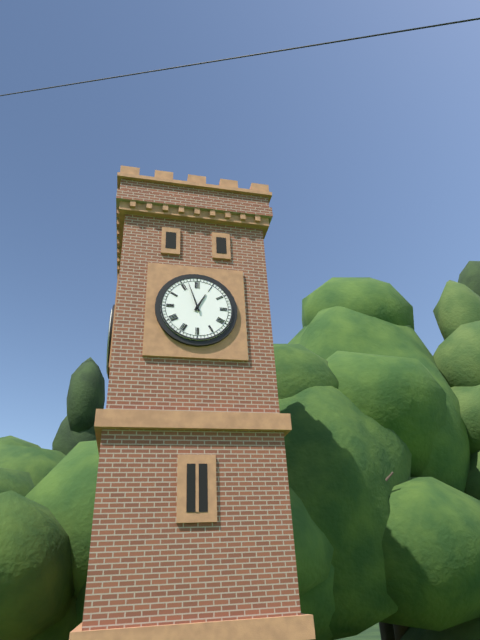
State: 12:57
